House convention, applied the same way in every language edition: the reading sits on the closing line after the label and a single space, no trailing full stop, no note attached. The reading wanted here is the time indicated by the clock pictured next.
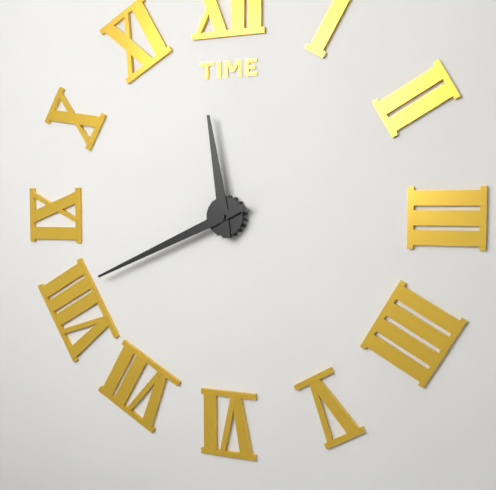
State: 11:41
